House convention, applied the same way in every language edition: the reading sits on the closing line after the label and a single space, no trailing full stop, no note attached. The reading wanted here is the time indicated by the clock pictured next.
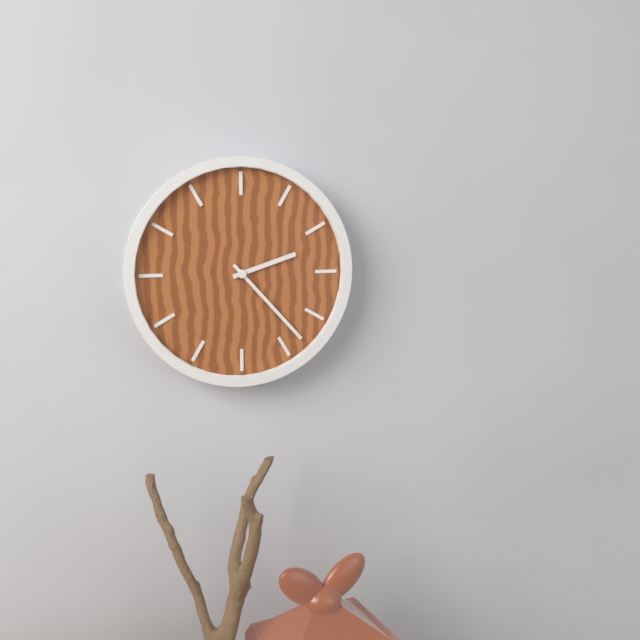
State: 2:23
